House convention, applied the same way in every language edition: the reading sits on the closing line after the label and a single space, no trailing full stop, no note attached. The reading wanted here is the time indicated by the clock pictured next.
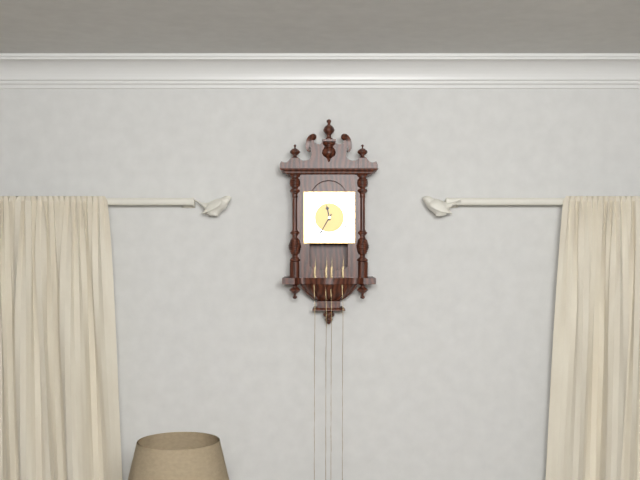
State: 11:35
